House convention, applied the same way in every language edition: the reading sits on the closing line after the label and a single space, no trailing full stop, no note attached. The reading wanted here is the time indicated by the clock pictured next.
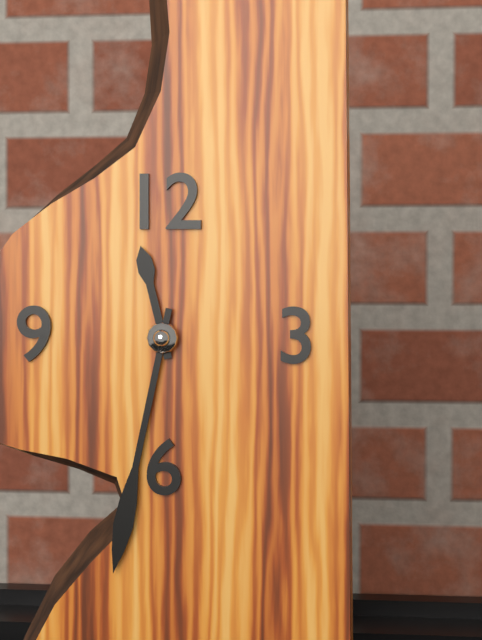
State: 11:32
